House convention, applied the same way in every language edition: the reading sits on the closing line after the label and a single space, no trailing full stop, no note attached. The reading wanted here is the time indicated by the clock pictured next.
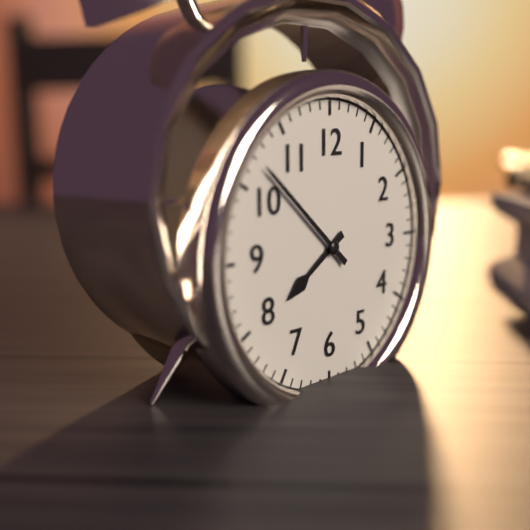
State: 7:52
